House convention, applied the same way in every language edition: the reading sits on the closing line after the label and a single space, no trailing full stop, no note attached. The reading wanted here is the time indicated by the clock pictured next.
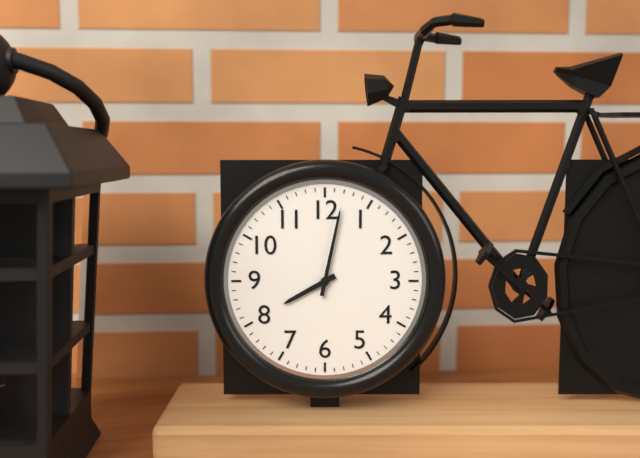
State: 8:02
